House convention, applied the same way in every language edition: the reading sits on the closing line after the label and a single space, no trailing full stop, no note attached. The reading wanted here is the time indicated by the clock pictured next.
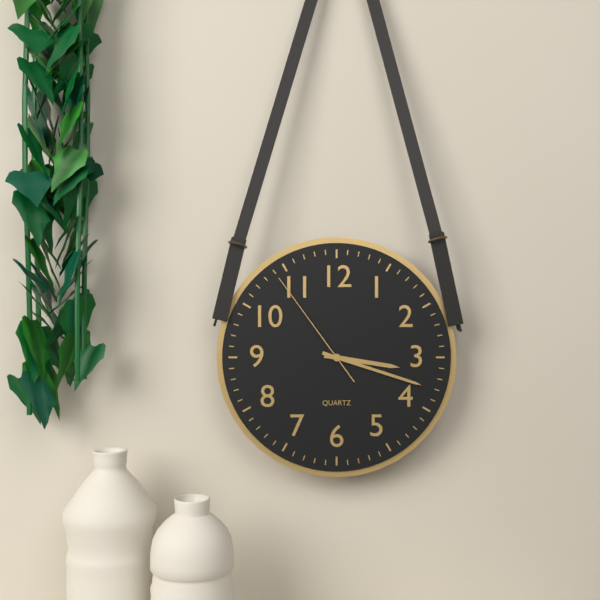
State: 3:18:54
